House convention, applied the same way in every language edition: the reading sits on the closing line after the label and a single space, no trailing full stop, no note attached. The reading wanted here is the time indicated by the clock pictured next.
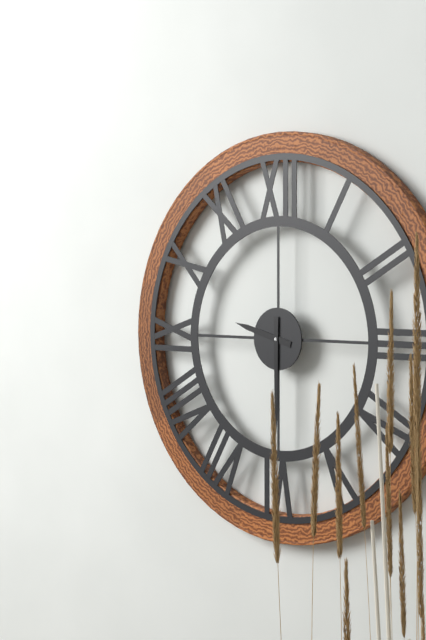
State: 9:30
